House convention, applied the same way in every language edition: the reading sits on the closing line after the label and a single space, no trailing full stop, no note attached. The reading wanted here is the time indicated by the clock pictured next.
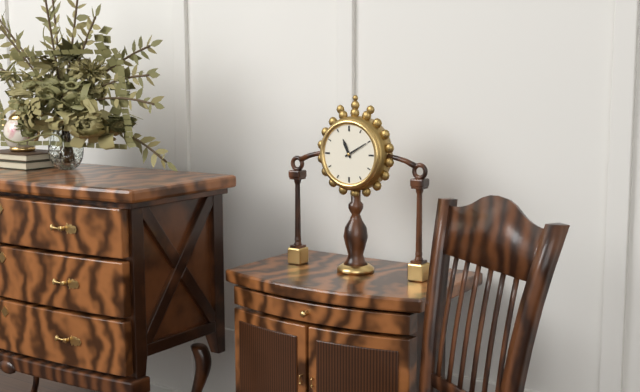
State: 11:10
